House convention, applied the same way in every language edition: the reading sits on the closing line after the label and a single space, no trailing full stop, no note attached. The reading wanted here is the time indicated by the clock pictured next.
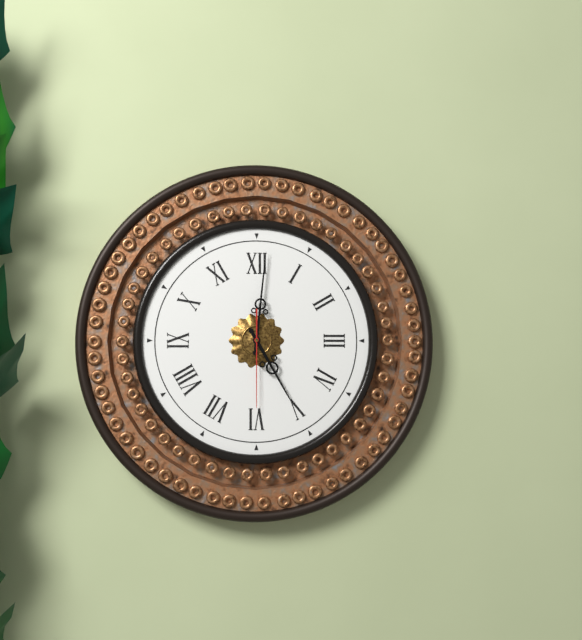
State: 5:01:30
